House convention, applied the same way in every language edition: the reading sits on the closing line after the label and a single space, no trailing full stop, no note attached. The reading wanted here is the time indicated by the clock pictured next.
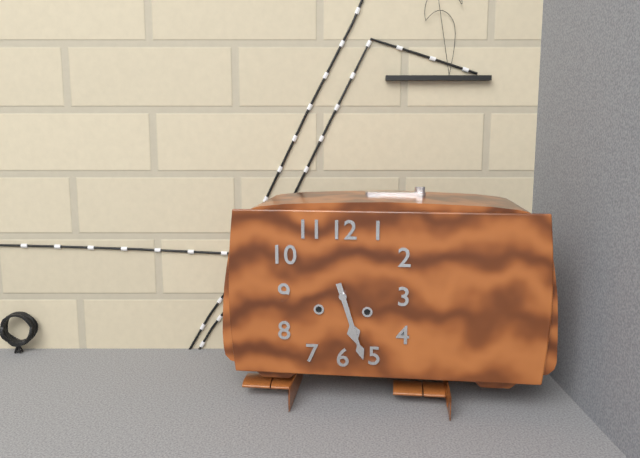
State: 5:27
